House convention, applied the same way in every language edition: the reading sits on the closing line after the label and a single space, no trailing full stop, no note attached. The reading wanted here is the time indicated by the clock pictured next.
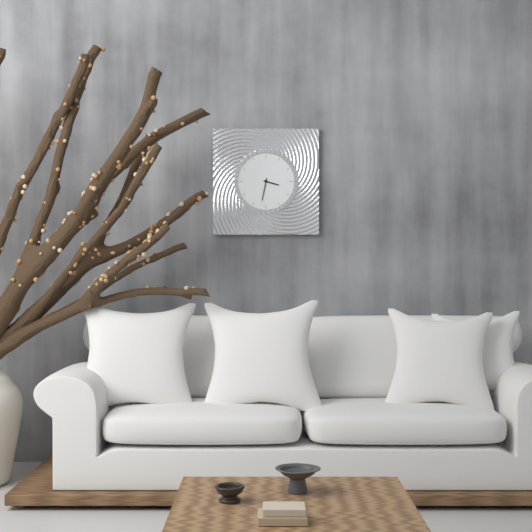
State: 3:32
